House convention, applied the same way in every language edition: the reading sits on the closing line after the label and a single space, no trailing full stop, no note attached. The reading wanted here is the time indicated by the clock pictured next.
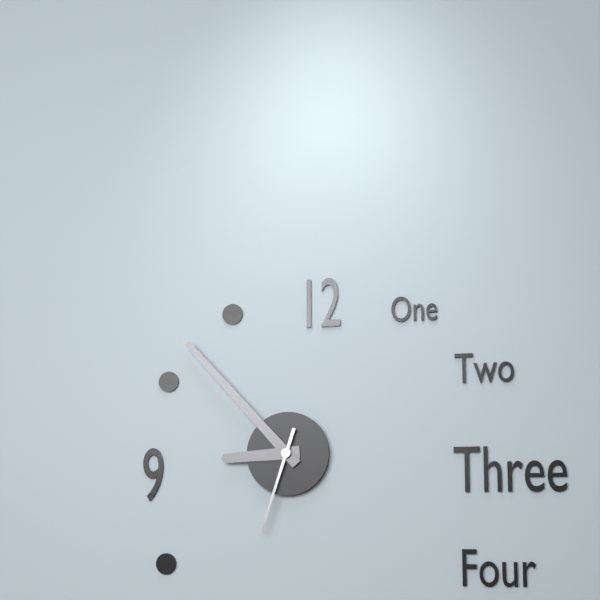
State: 8:53:33
